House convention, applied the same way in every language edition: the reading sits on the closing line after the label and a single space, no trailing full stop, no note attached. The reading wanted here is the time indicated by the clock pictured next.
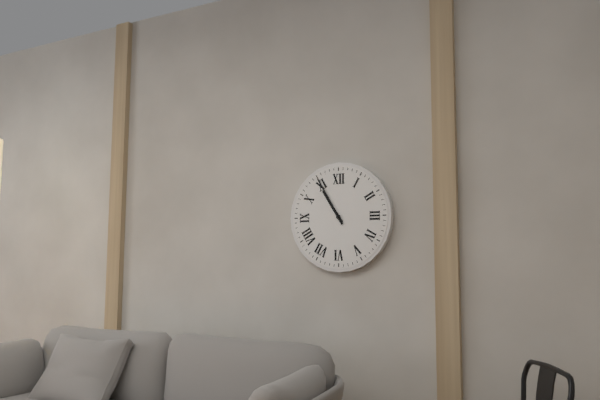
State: 10:55
